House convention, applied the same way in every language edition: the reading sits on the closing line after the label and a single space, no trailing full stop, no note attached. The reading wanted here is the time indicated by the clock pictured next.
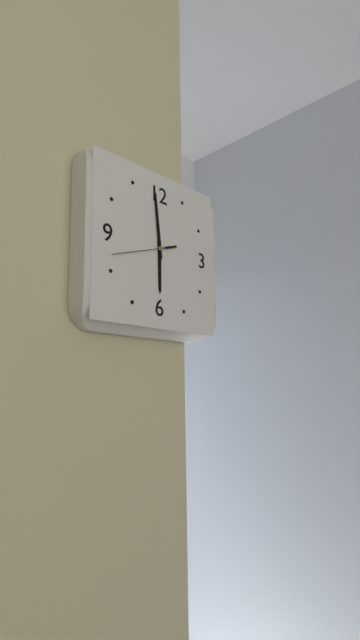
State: 5:59:42
